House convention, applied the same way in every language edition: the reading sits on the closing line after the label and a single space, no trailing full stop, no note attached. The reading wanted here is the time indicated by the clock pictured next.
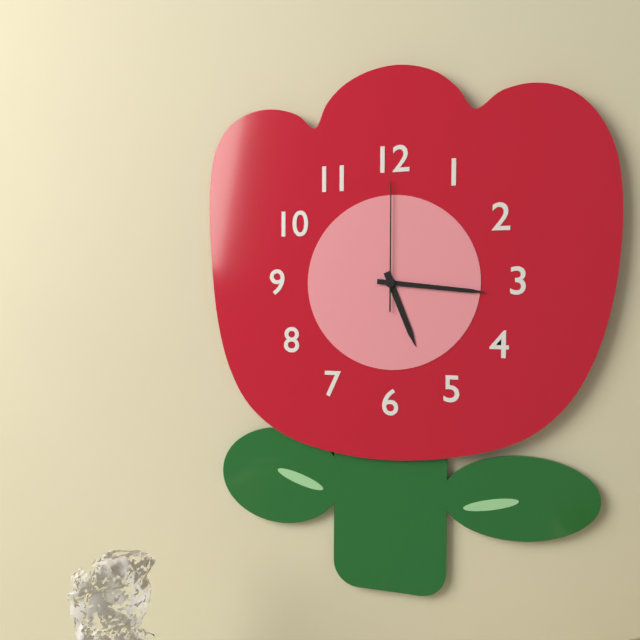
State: 5:16:00
